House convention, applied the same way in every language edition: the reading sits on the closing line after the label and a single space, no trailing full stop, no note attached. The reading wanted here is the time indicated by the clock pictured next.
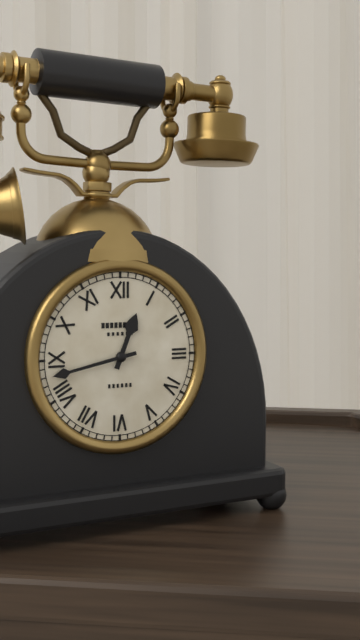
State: 12:43
